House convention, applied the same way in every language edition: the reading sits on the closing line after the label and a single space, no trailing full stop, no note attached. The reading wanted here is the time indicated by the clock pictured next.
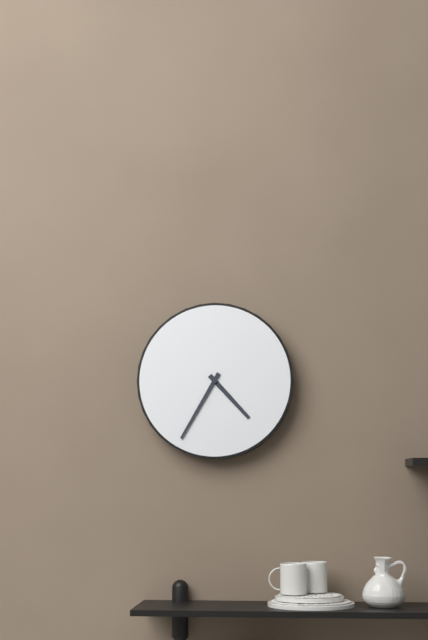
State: 4:35
